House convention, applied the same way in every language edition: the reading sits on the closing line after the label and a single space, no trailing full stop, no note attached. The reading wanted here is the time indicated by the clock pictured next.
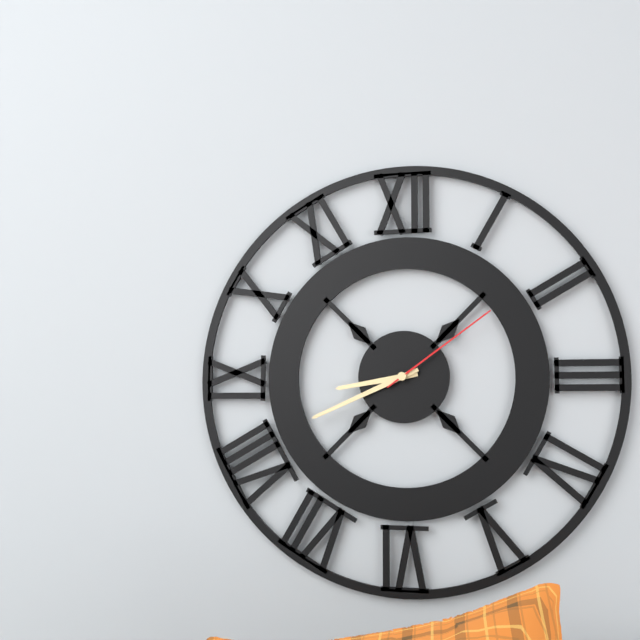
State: 8:41:09
